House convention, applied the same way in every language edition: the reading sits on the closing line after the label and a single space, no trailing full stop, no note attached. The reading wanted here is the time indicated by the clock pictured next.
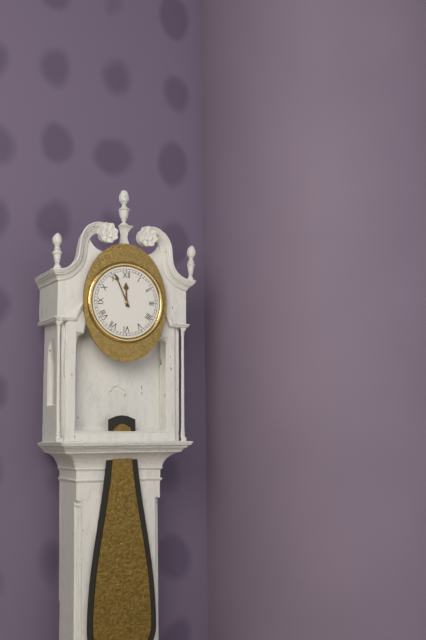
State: 11:56
